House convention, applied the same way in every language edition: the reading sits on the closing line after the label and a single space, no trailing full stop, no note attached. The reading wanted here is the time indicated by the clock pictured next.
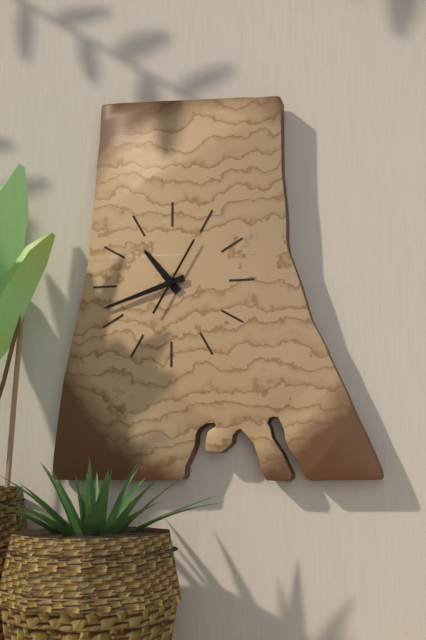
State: 10:42:05
